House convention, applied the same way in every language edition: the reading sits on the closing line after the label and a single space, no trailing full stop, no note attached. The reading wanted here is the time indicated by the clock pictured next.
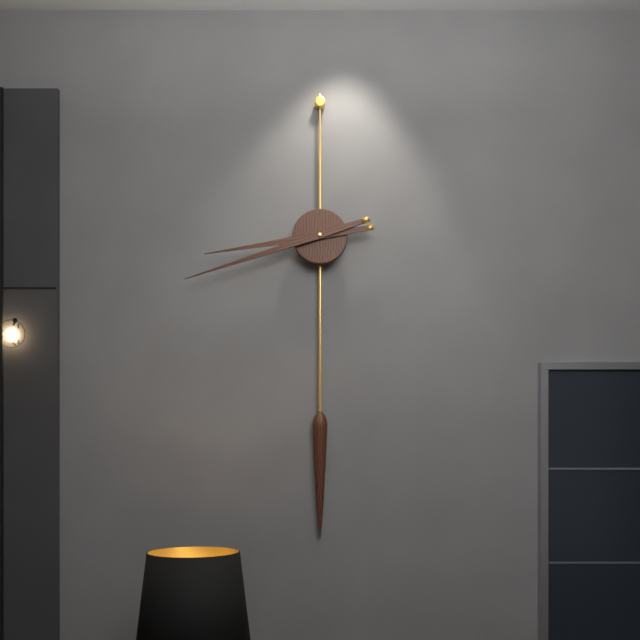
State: 8:42
